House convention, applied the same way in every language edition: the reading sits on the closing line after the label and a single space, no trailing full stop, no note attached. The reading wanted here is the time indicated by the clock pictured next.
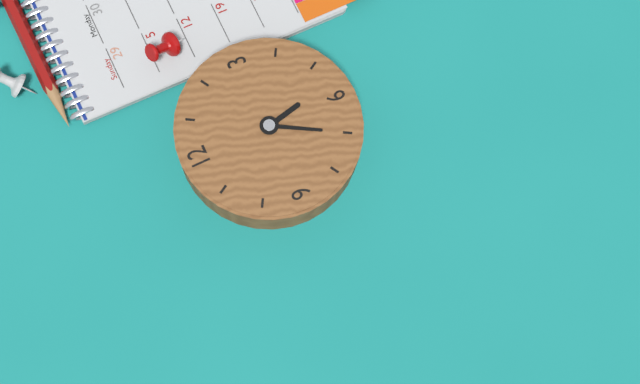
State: 5:35
